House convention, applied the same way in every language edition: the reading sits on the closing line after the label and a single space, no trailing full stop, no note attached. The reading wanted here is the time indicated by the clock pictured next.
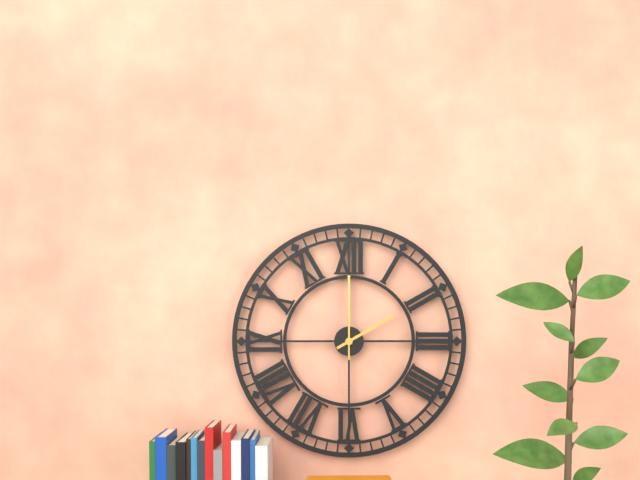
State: 2:00
